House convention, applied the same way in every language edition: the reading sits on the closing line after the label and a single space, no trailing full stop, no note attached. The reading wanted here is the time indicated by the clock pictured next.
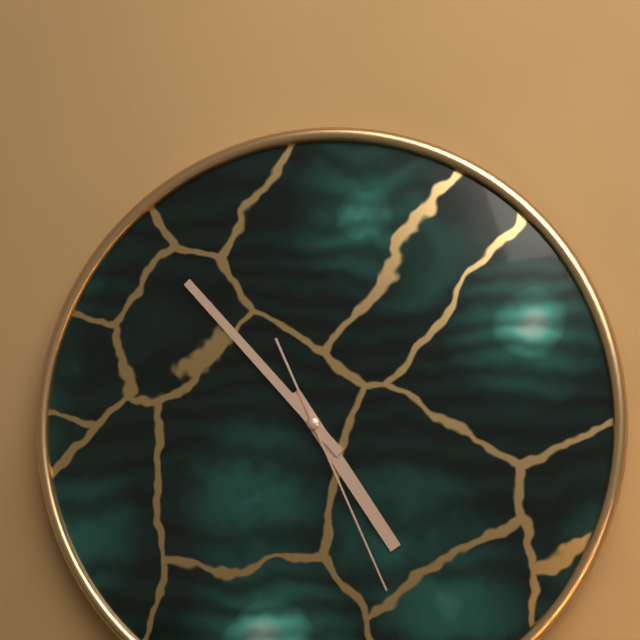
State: 4:53:26
